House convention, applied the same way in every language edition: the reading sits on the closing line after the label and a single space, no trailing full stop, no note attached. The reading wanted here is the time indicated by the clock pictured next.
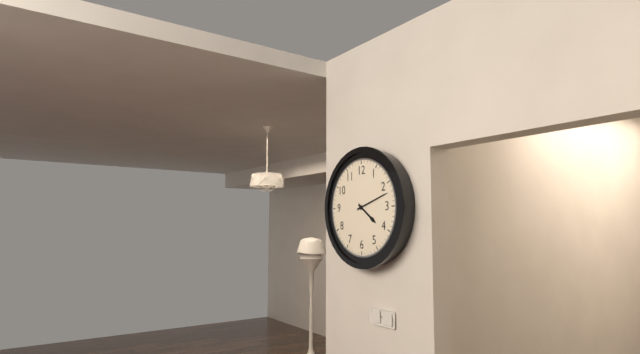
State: 4:12
